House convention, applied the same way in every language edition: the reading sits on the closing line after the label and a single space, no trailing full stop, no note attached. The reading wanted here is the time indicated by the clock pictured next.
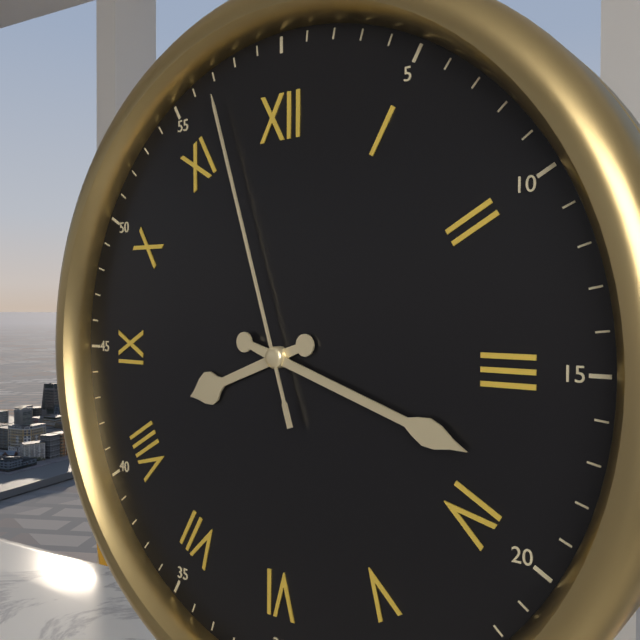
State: 8:18:57
